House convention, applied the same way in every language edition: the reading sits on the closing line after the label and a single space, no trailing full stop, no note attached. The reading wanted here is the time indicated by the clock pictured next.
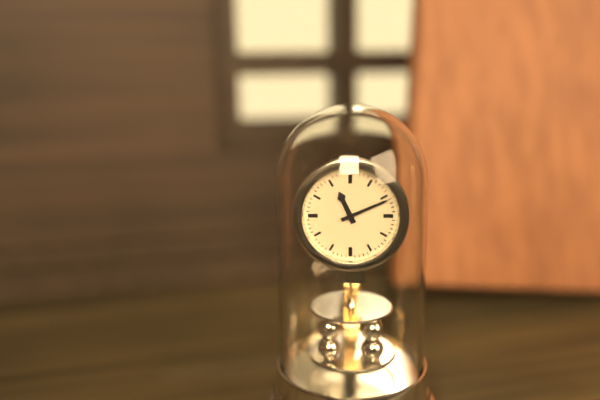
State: 11:11
